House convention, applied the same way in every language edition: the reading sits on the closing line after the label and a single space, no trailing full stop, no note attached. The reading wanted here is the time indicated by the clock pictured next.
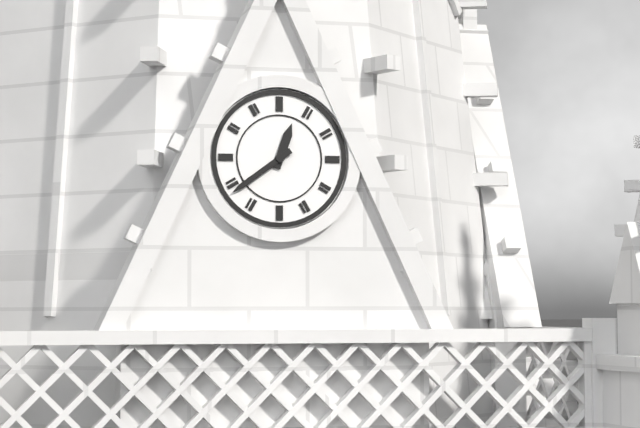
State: 12:39
